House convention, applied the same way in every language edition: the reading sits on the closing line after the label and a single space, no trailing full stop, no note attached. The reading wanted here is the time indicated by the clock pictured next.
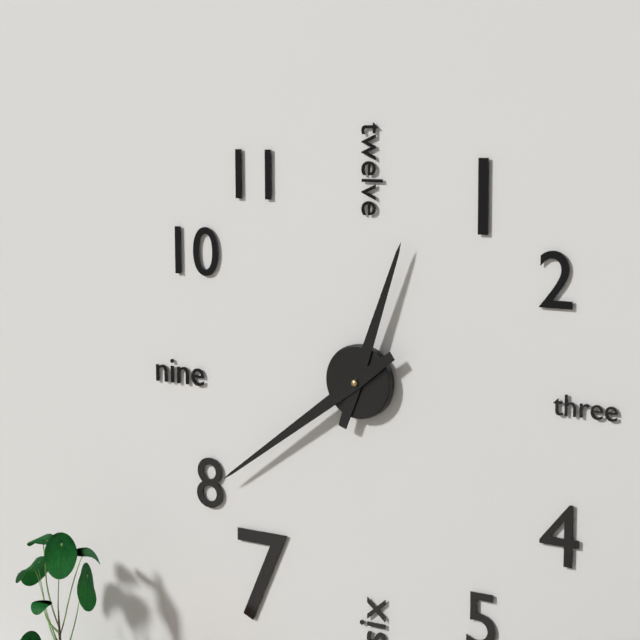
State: 12:39
